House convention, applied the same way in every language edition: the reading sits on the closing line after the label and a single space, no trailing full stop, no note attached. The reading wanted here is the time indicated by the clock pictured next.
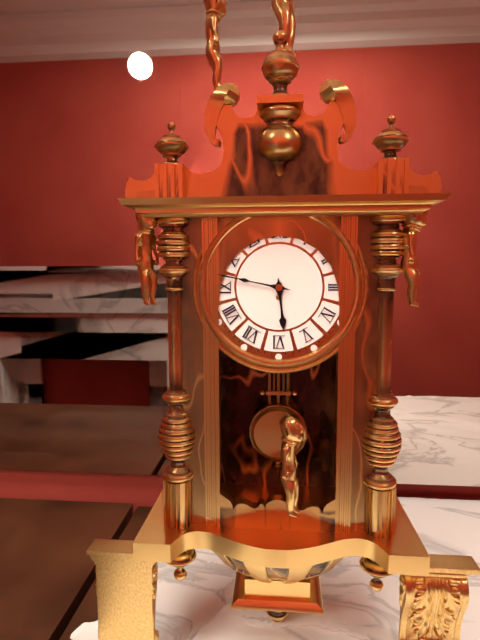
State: 5:47
